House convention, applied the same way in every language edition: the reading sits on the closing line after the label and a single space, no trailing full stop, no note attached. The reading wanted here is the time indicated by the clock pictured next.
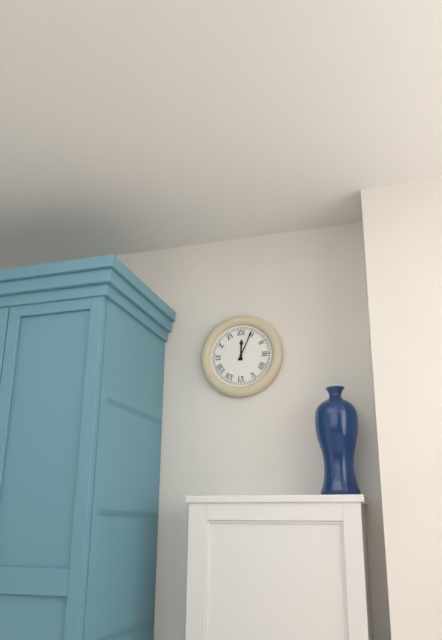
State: 12:04
